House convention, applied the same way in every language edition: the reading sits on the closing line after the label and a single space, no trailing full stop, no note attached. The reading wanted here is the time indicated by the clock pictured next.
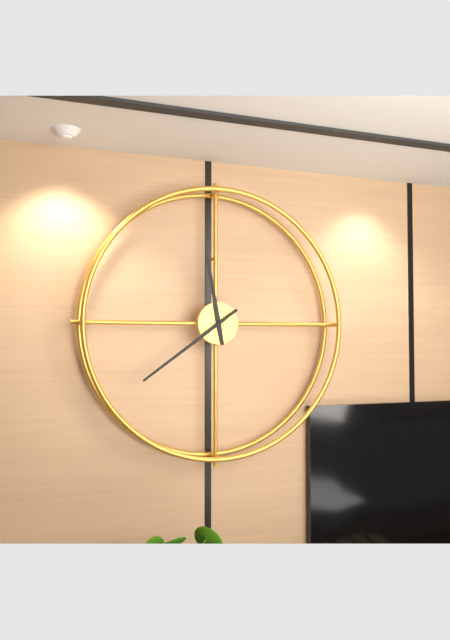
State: 11:39
